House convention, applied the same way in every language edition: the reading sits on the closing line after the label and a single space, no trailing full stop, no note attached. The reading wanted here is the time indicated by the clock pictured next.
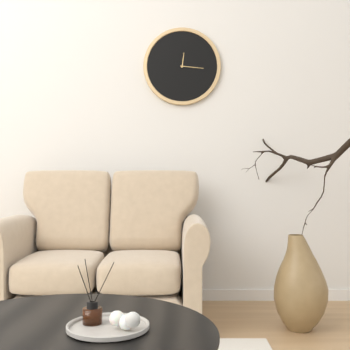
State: 12:16
